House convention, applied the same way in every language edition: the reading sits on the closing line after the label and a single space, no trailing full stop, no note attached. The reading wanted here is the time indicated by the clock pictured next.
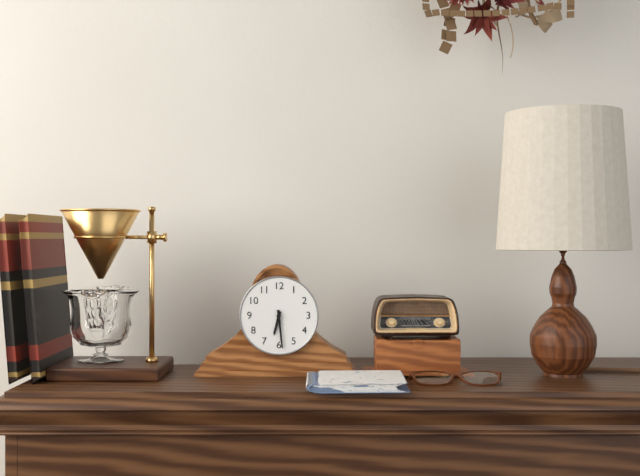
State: 6:29
